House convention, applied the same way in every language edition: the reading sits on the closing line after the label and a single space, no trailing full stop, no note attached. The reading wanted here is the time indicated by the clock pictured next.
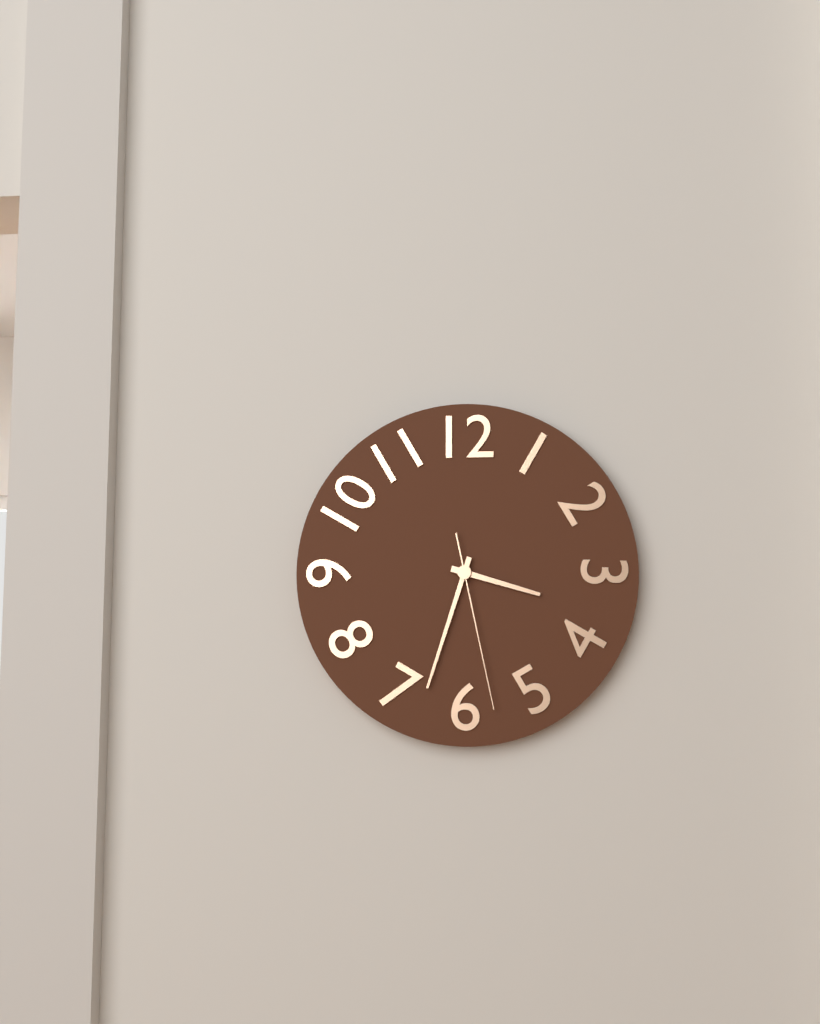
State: 3:33:28
